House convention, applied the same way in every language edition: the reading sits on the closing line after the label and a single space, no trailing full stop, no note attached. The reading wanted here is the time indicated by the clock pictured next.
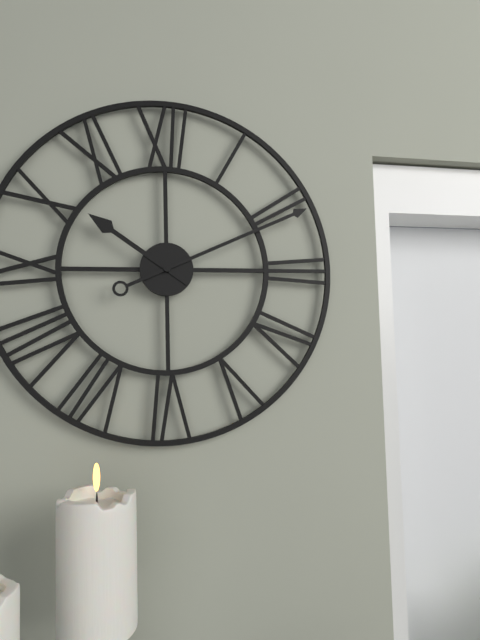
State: 10:11
